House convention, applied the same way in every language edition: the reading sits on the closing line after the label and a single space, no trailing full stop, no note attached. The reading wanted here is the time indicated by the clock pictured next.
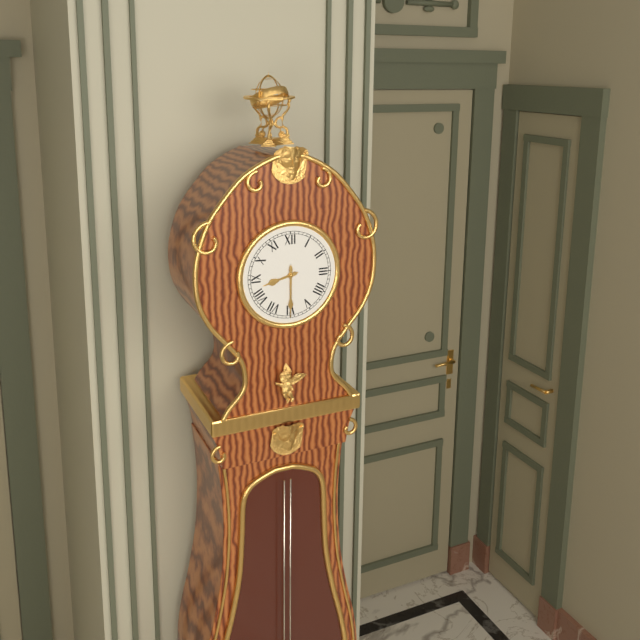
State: 8:30
